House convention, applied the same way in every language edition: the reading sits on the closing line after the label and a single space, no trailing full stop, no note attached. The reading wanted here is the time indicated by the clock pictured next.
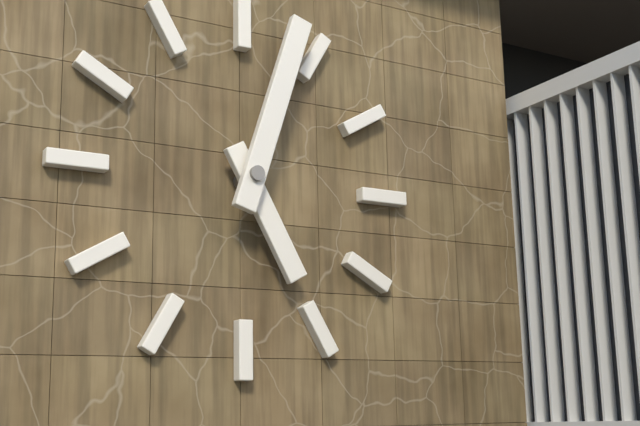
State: 5:03
